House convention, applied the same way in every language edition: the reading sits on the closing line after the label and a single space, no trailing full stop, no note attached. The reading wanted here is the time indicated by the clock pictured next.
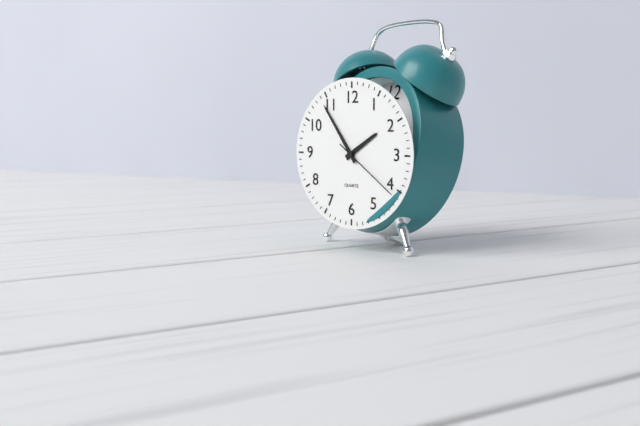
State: 1:54:21
